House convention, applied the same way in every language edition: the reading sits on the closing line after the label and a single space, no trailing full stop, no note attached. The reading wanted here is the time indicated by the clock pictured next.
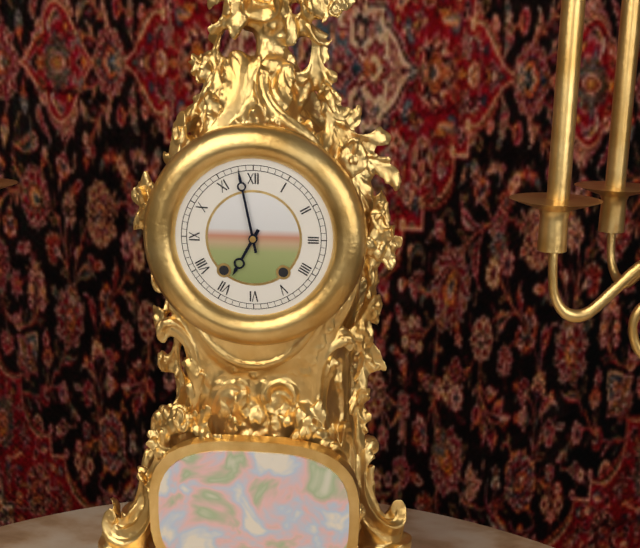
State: 6:58
